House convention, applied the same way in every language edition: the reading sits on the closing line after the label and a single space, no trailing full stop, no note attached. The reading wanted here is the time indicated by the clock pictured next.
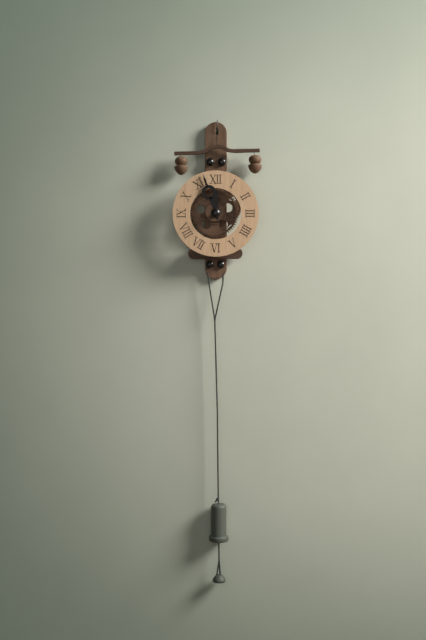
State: 11:57
